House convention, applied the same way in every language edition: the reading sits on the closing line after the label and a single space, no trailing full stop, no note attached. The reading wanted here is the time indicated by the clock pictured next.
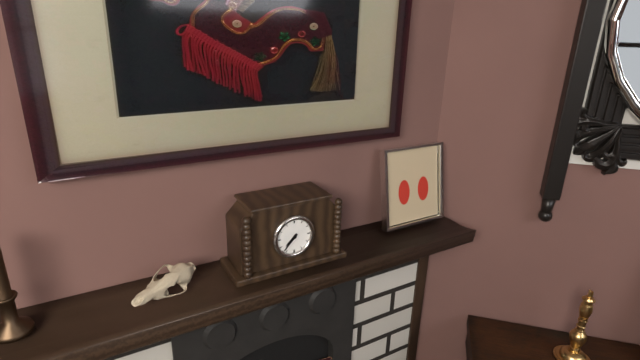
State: 7:37
